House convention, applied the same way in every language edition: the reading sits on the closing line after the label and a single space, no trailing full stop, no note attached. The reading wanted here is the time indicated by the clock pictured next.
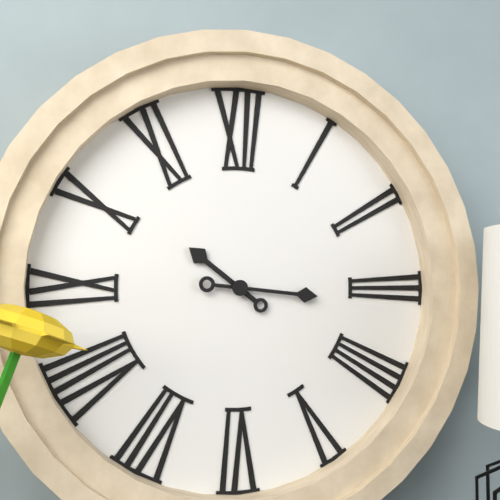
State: 10:16
